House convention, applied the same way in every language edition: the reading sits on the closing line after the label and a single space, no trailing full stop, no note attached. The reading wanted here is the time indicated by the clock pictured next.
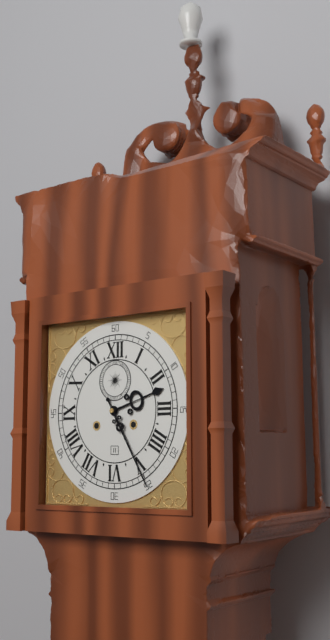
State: 2:25
